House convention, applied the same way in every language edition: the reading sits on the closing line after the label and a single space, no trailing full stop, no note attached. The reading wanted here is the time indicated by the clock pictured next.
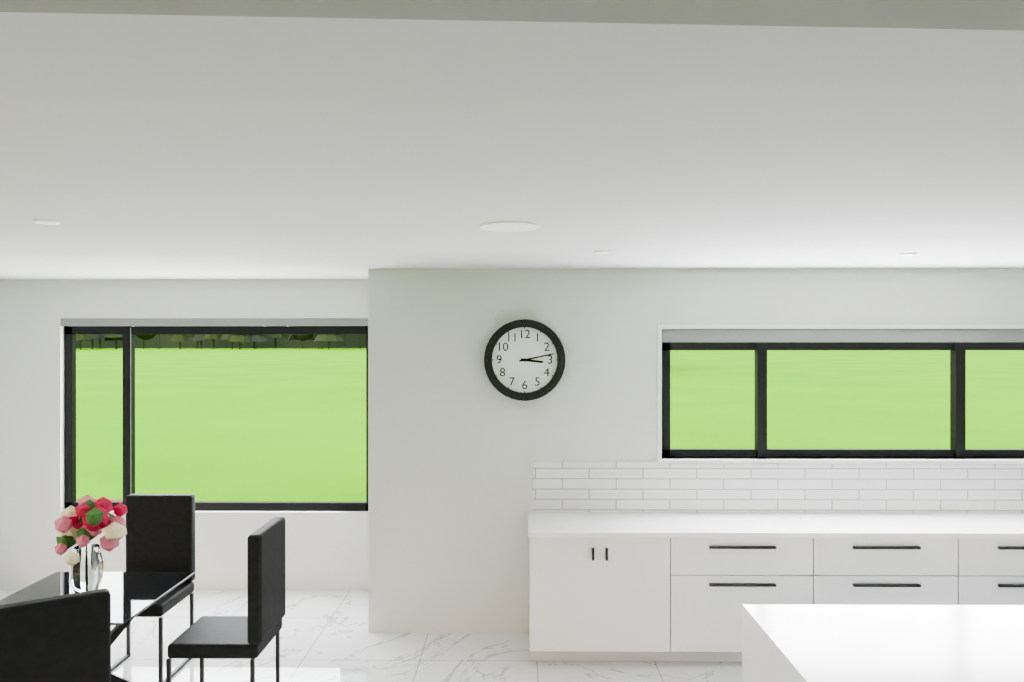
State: 3:13
